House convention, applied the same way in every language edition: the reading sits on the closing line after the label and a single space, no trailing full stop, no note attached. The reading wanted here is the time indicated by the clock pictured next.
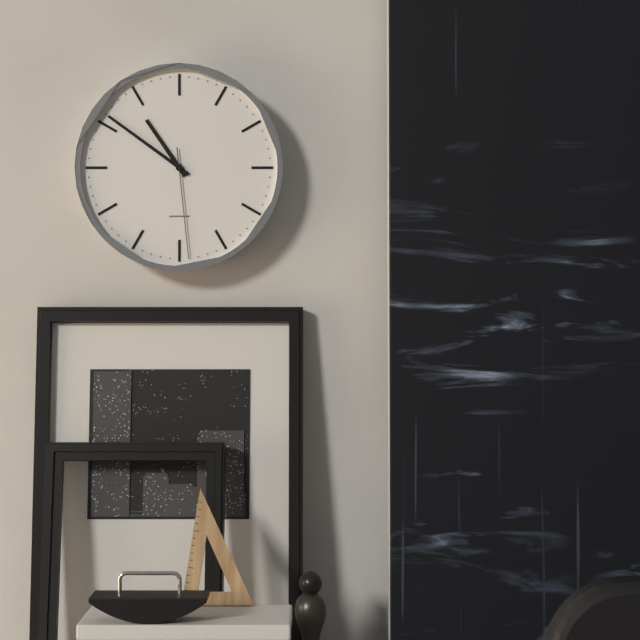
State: 10:51:29
